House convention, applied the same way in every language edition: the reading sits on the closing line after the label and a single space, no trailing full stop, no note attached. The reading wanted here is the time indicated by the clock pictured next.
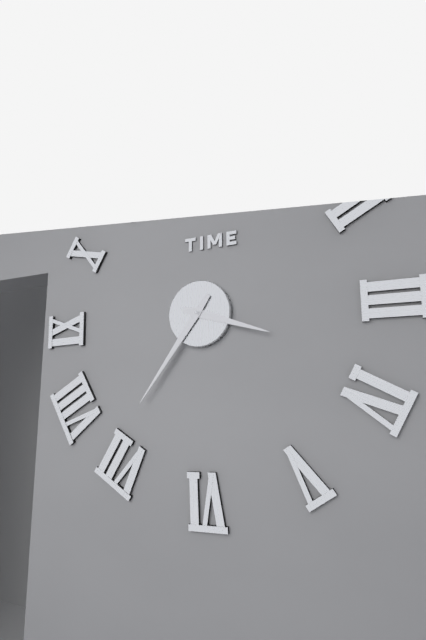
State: 3:36
